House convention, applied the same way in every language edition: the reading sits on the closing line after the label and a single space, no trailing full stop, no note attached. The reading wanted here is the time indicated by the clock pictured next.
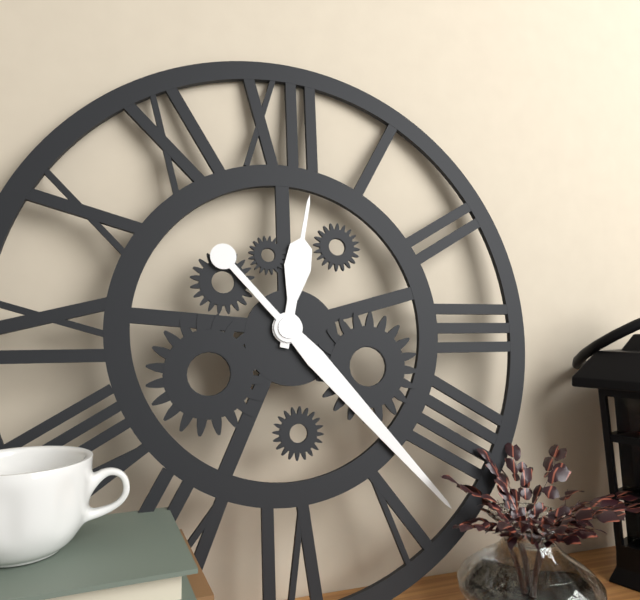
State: 12:23
